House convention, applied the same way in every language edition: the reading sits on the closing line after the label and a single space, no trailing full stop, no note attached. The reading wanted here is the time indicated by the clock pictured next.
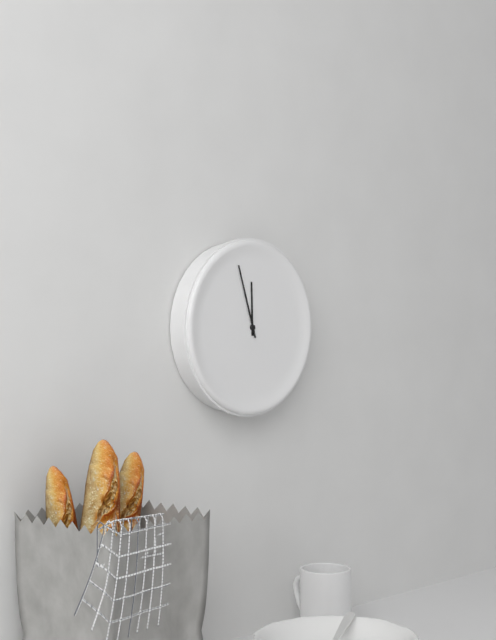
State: 11:57
